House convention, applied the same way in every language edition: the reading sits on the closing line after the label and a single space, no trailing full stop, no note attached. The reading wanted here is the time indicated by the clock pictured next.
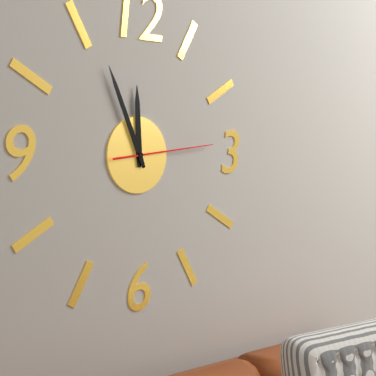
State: 11:56:14
